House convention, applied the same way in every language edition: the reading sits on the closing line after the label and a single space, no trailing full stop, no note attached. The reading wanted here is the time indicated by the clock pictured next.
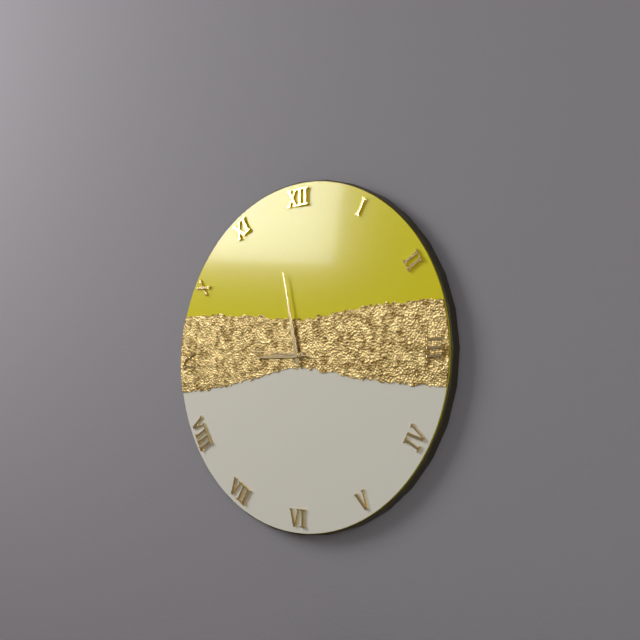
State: 8:58:46
